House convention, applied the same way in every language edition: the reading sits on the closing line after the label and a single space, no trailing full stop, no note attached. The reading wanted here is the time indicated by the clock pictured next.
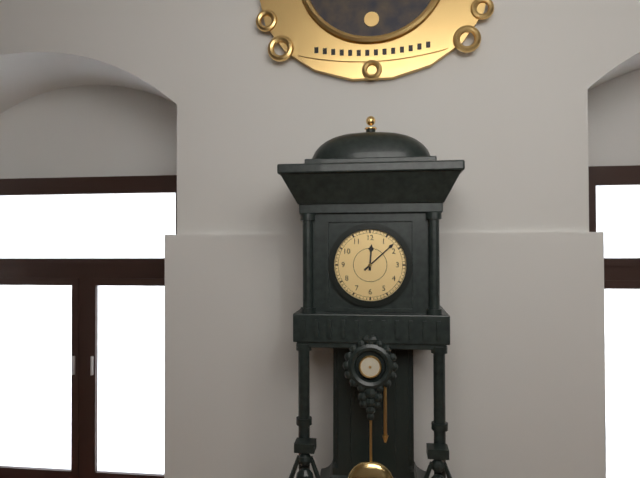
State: 12:08
